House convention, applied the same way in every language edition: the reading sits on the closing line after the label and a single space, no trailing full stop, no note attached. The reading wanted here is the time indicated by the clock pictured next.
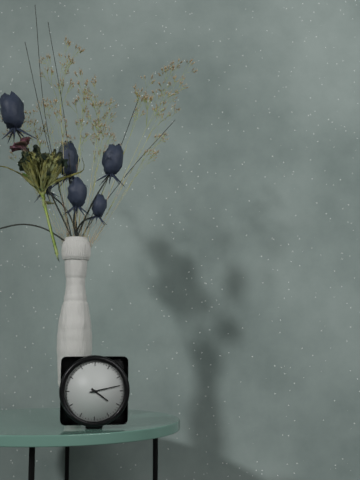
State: 4:13
